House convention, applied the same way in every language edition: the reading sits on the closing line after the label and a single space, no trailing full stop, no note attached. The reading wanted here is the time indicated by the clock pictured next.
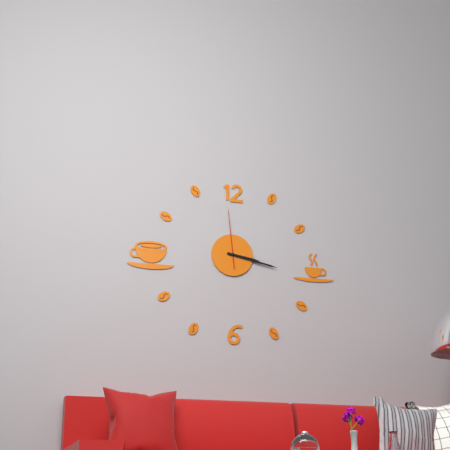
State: 3:17:59
